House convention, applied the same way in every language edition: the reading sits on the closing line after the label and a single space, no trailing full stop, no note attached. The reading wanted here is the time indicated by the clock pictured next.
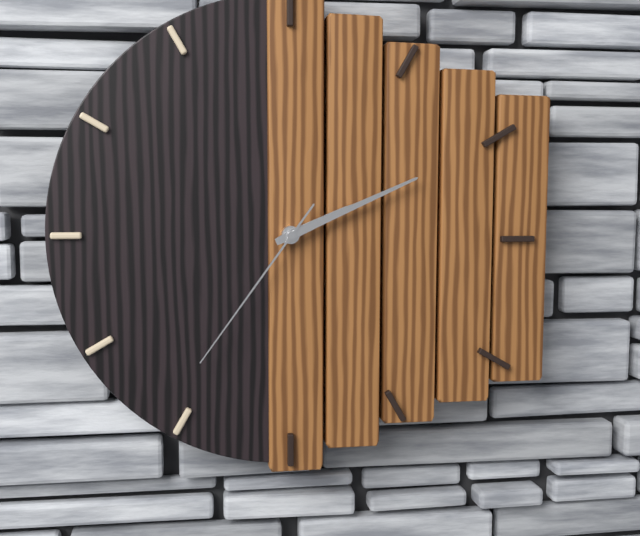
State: 2:11:36
